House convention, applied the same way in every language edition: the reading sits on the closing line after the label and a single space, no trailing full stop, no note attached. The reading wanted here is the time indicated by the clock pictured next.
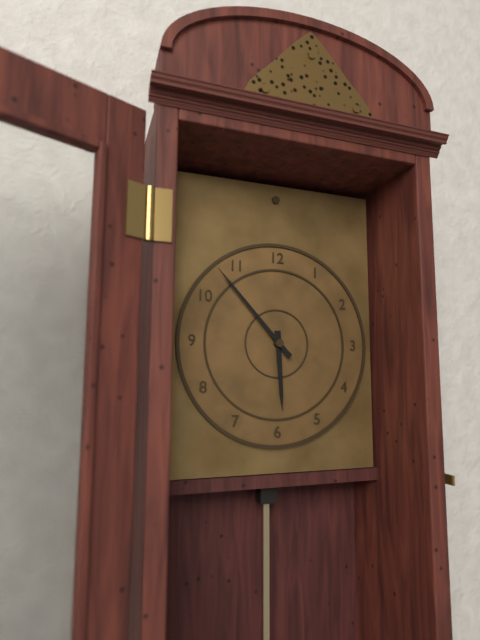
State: 5:53
